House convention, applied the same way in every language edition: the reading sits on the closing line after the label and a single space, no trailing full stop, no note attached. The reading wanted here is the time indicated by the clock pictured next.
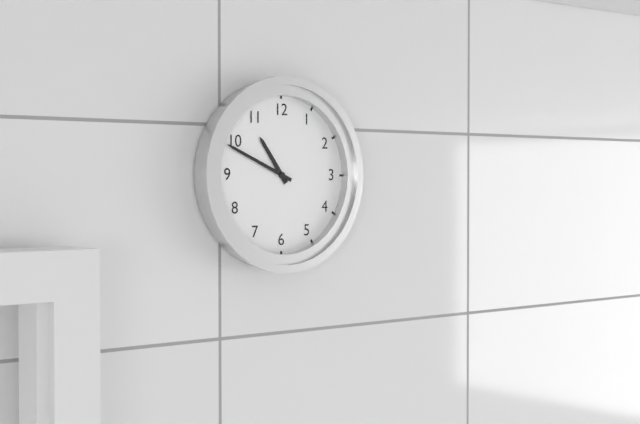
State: 10:49
